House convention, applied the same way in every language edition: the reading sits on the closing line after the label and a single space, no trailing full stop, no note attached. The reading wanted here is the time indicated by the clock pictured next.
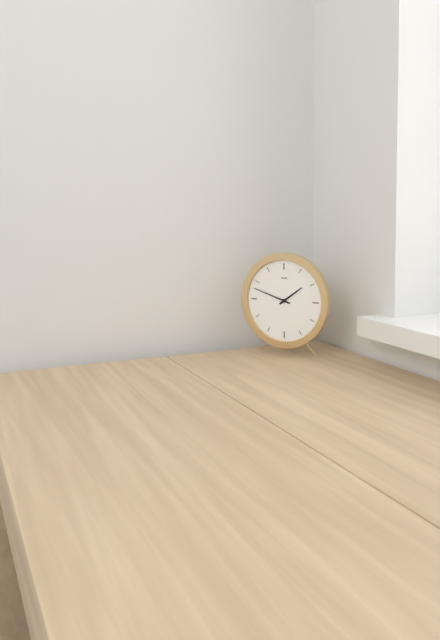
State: 1:48
